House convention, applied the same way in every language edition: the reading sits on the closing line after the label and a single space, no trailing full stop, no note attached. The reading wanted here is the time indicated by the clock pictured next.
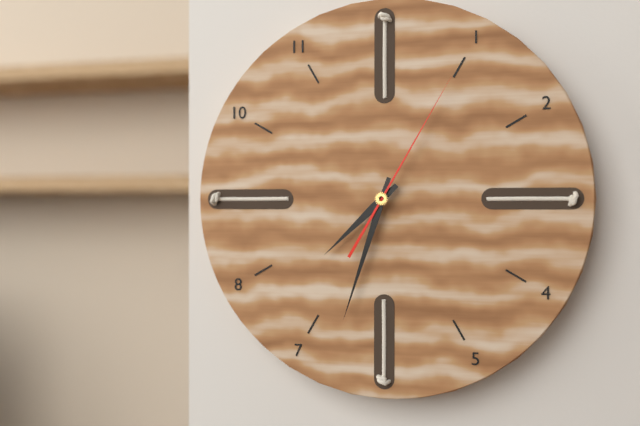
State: 7:33:05
